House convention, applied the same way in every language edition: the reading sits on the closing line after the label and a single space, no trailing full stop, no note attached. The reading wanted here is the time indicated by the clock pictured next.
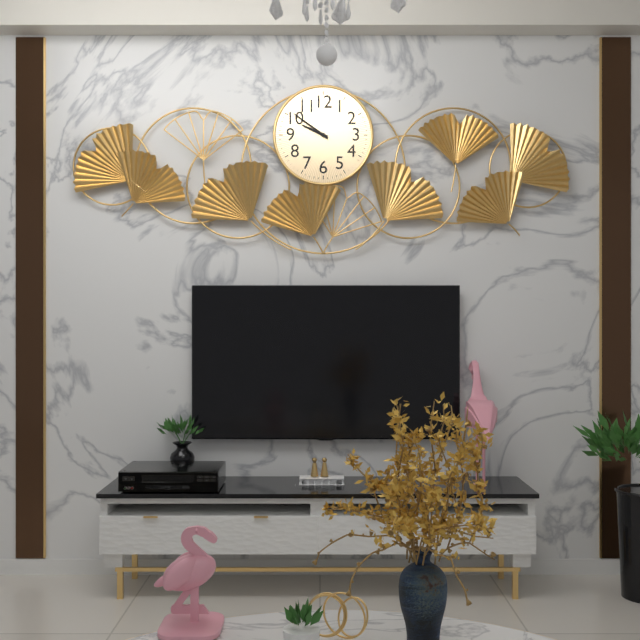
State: 9:51
